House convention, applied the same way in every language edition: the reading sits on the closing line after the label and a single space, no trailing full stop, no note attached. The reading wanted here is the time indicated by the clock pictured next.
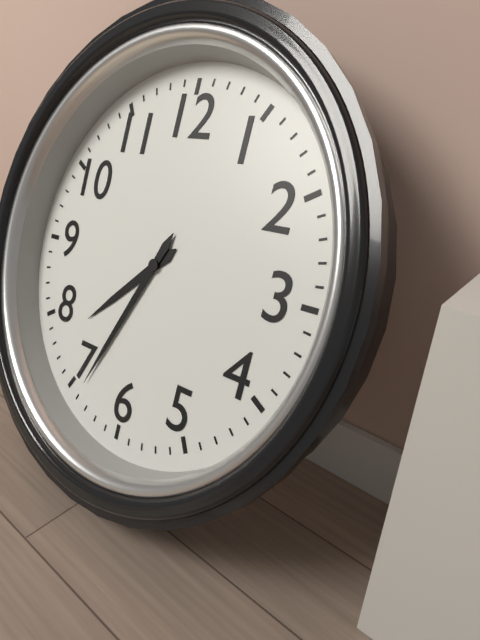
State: 7:34
